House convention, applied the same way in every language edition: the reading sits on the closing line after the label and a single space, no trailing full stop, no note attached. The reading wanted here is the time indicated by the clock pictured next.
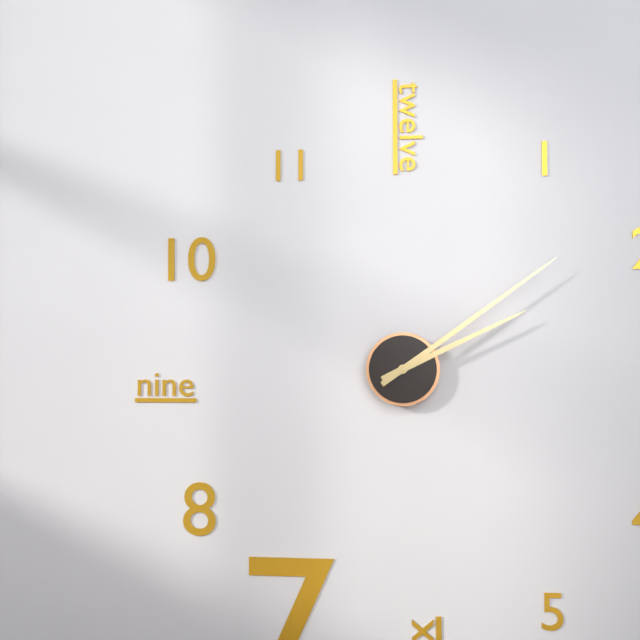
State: 2:09
